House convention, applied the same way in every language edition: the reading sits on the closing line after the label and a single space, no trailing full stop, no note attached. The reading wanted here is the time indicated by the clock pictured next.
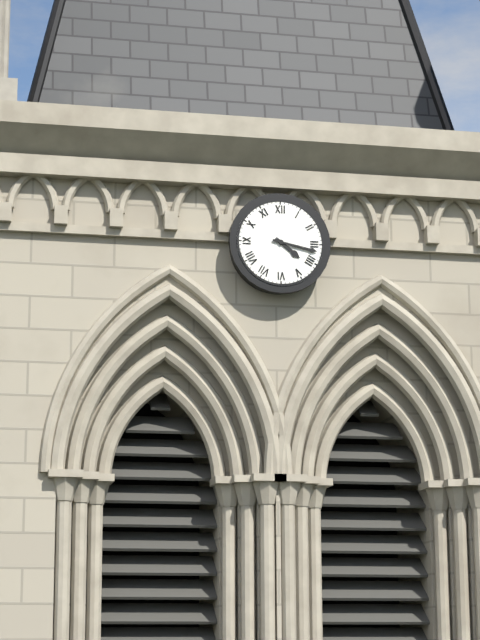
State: 4:17
